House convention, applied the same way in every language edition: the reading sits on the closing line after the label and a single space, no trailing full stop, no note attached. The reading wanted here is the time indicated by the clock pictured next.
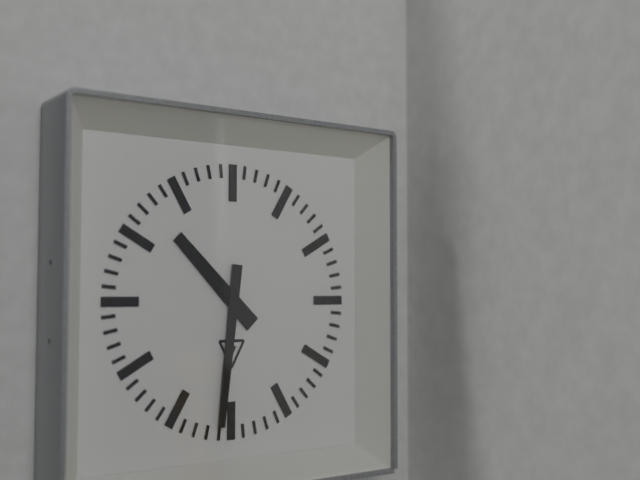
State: 10:31
